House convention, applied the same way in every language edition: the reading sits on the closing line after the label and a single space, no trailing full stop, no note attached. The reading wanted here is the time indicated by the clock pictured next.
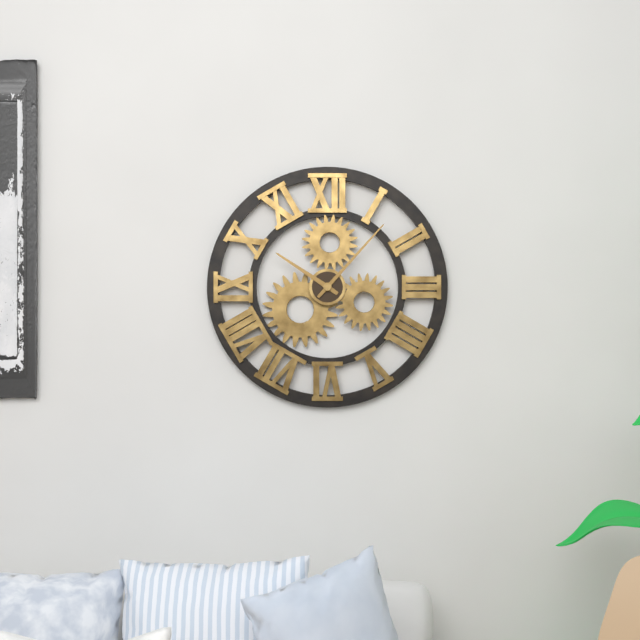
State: 10:07
